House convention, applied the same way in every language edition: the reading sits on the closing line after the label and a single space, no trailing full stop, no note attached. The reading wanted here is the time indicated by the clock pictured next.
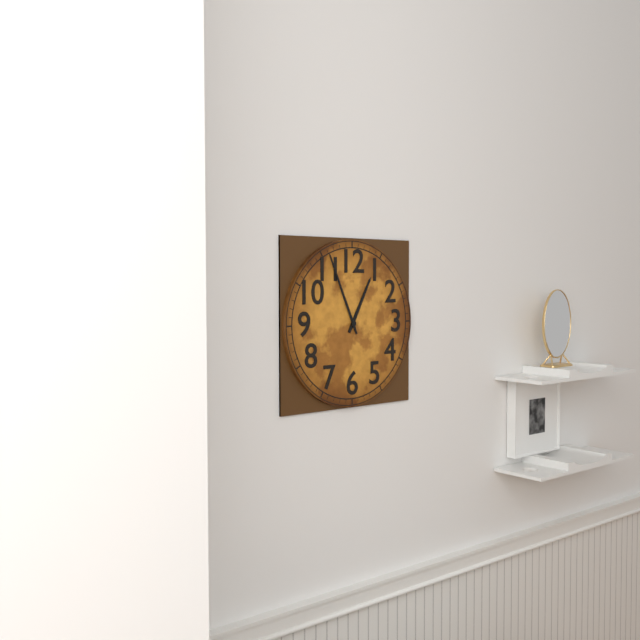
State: 12:56
